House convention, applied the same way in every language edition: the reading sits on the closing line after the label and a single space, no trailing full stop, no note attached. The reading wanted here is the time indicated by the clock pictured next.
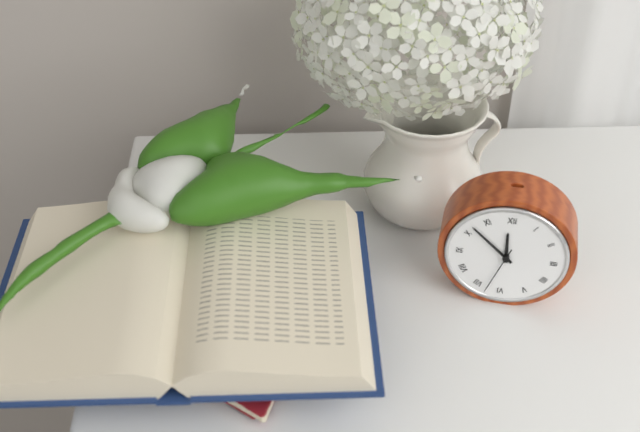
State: 11:52:33
